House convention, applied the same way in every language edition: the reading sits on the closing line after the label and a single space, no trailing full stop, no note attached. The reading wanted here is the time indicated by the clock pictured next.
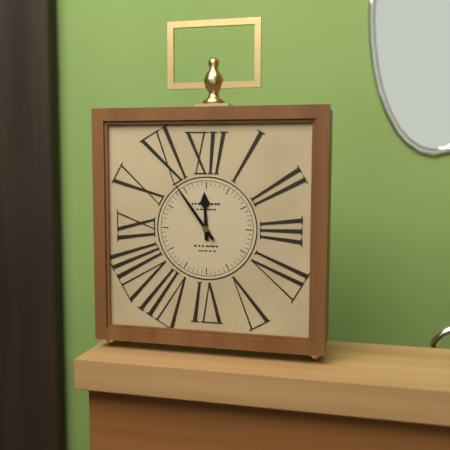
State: 11:54
